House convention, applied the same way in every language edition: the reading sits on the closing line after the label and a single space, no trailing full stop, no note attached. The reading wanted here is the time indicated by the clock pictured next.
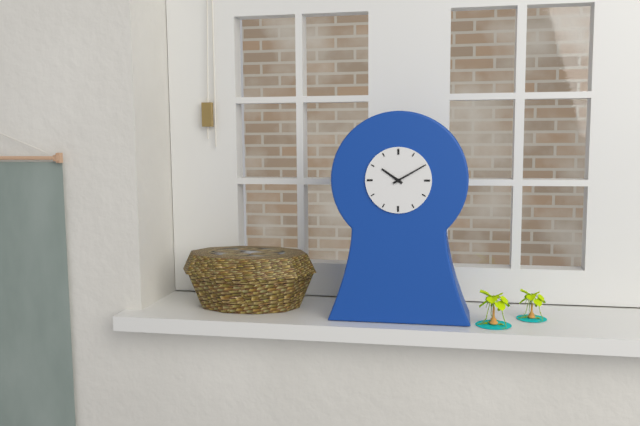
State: 10:10
